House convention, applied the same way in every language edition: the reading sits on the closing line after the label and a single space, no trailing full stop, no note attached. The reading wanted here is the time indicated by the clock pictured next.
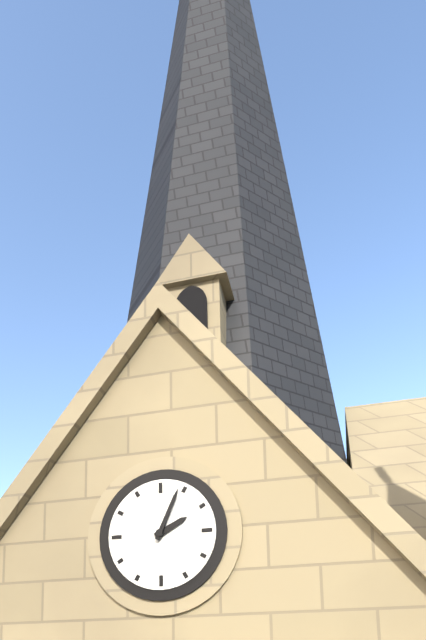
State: 2:04
